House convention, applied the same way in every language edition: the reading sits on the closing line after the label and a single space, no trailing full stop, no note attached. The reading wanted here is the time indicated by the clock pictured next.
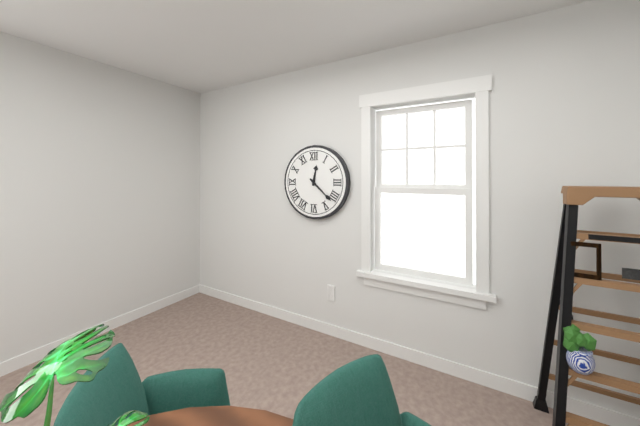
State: 12:22
